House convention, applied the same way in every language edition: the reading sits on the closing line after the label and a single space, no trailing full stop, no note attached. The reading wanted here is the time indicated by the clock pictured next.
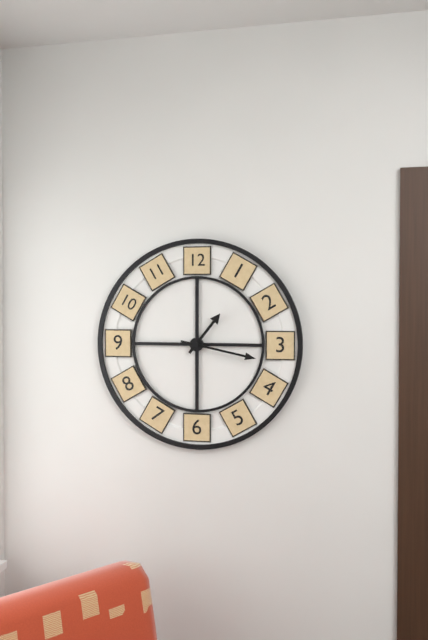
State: 1:17
